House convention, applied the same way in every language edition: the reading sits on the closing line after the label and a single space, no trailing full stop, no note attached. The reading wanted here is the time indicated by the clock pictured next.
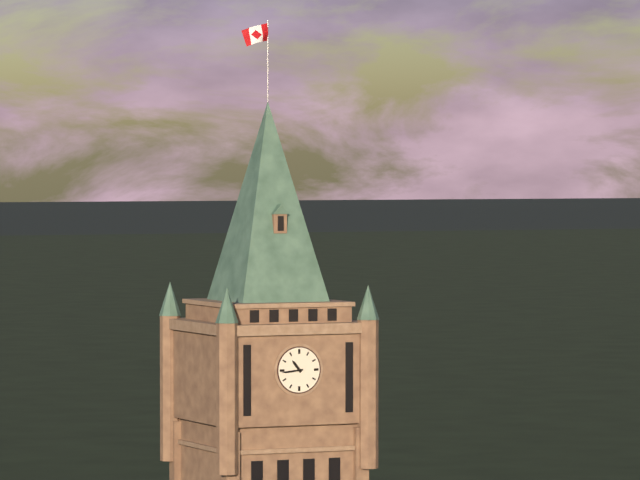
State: 10:44
